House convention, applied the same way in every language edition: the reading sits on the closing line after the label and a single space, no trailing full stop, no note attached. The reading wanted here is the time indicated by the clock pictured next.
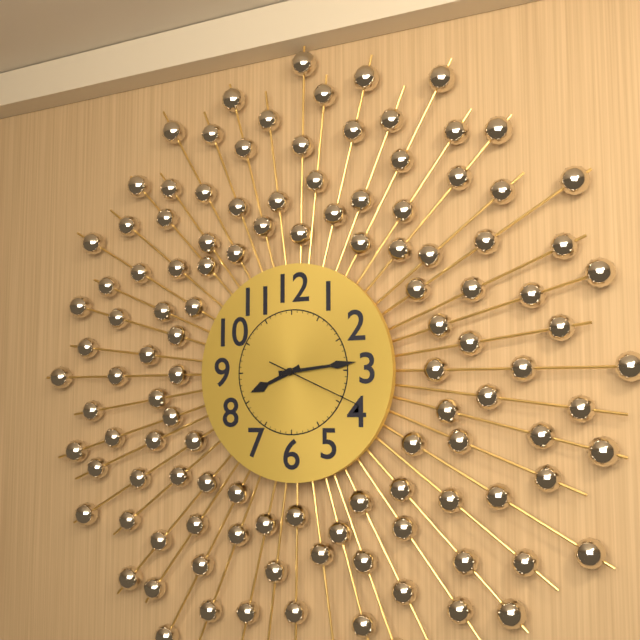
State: 8:14:19
